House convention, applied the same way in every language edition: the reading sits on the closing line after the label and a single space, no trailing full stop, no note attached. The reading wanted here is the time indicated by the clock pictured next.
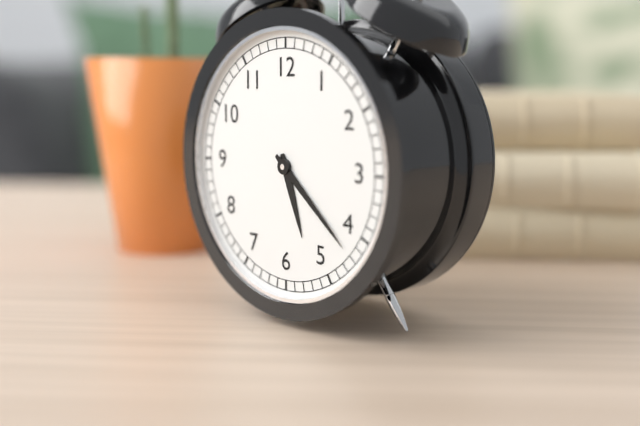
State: 5:22
